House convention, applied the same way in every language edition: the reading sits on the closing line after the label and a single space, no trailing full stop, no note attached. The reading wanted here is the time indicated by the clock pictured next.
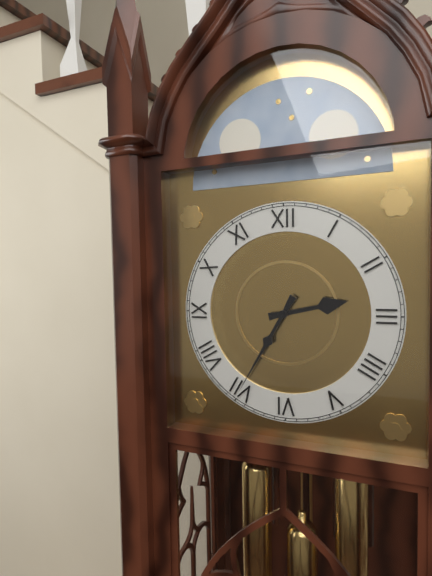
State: 2:35
